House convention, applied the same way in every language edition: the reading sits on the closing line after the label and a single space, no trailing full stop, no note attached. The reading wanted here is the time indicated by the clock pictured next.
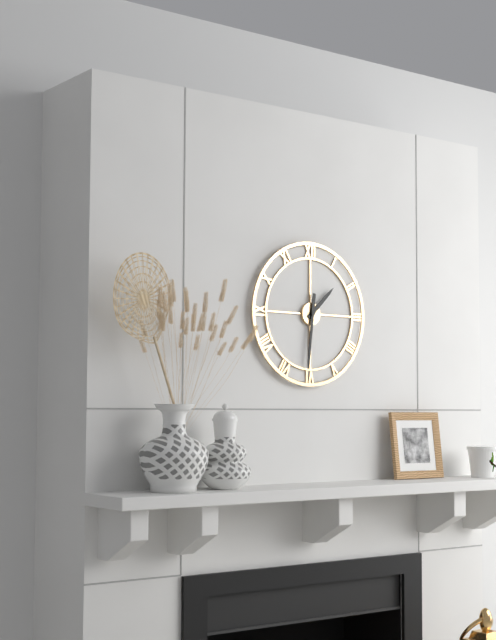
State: 1:31
